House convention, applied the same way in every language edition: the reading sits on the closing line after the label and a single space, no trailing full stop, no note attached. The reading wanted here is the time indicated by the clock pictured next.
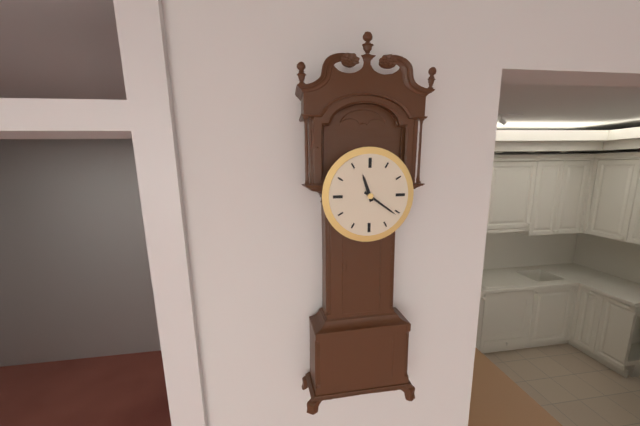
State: 11:21
